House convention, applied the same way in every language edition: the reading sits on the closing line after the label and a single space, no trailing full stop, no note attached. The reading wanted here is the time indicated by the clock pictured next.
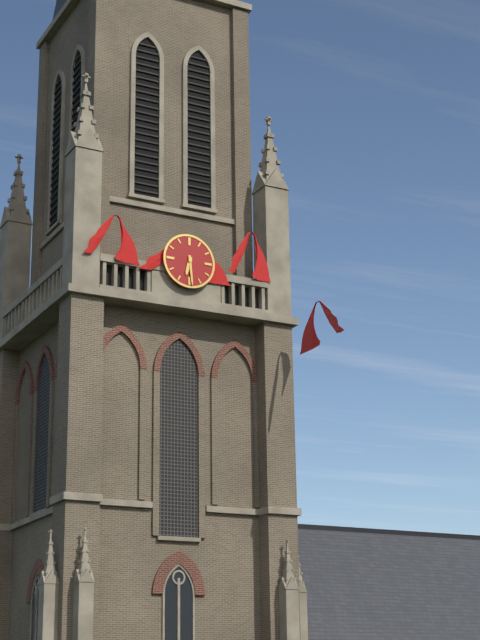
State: 6:29
